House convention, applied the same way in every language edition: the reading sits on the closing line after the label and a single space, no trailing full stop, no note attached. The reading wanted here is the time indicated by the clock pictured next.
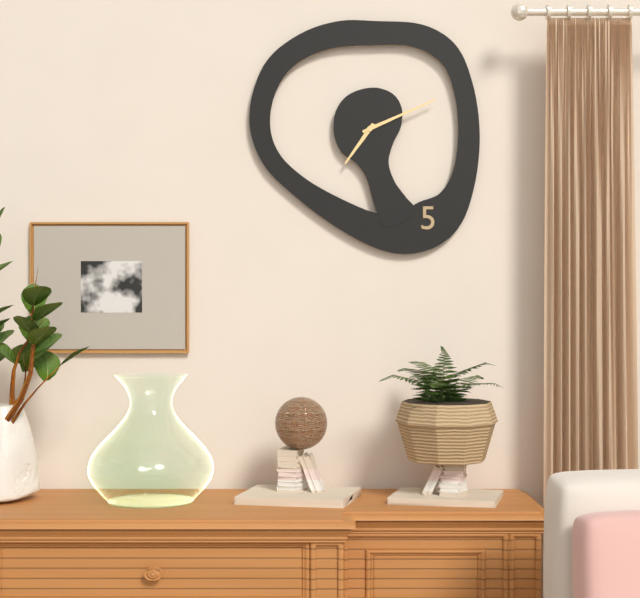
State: 7:11
